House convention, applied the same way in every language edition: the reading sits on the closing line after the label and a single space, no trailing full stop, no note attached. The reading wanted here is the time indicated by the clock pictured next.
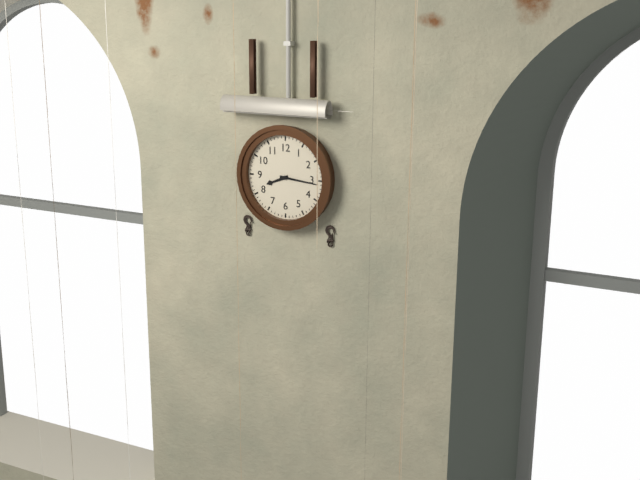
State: 8:16
